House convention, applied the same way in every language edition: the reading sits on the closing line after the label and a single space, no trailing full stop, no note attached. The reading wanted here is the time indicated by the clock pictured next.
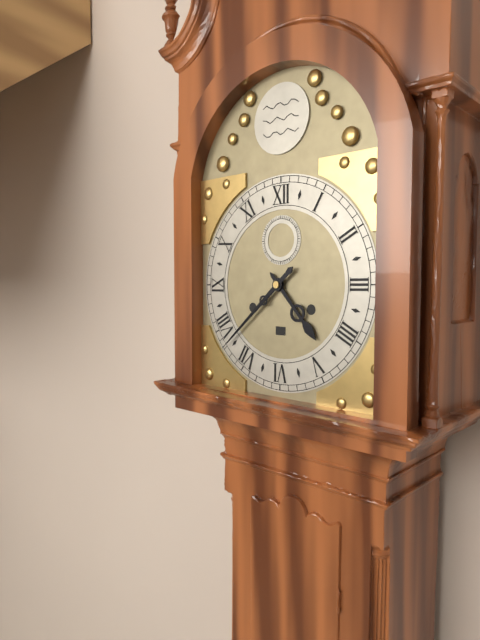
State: 4:38
